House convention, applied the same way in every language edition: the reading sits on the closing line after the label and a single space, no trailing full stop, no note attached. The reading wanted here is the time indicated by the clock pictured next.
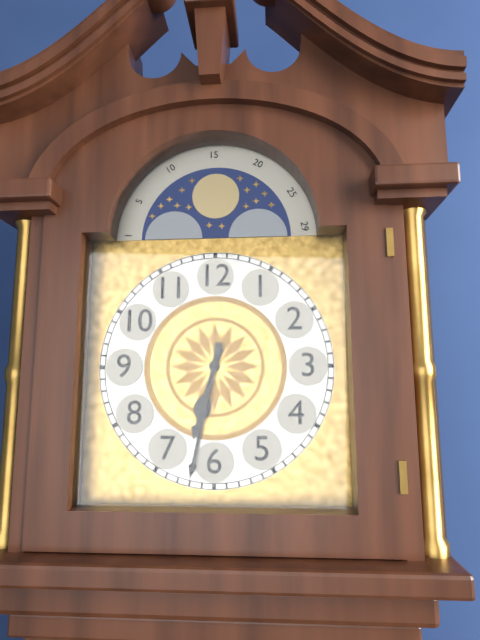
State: 6:32
